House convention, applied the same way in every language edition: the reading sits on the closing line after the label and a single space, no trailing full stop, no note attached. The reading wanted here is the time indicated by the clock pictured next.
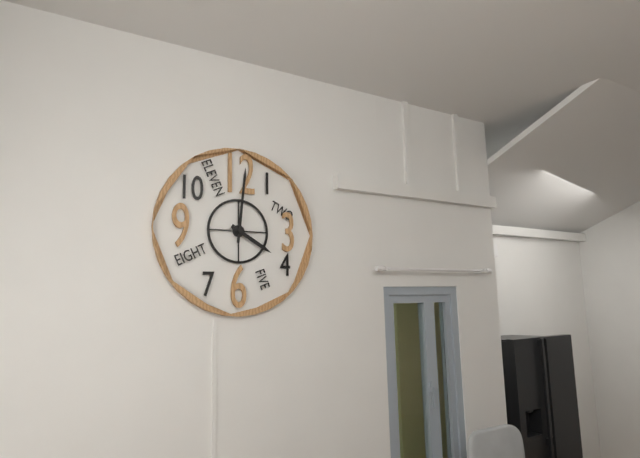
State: 4:01
